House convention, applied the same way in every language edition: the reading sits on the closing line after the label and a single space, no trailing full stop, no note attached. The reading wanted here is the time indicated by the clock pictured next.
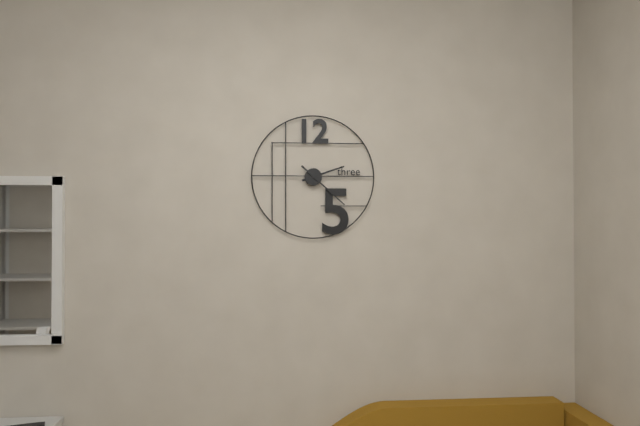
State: 2:22
